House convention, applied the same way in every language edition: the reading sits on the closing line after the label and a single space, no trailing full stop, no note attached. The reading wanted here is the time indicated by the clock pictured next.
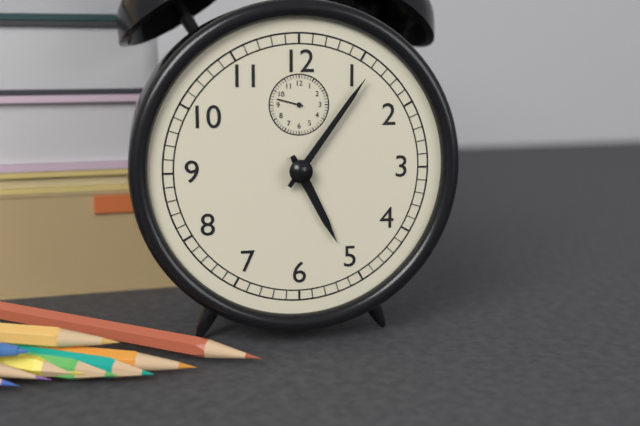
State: 5:06
